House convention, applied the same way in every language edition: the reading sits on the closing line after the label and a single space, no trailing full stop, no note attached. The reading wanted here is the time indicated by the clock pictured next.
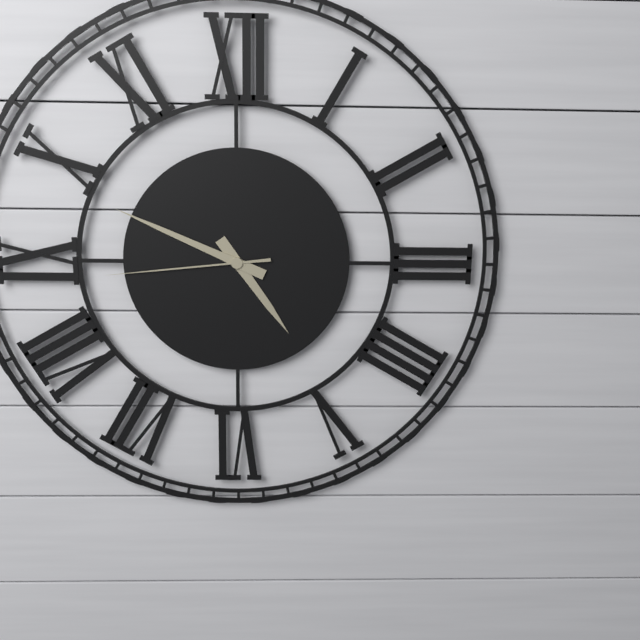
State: 4:49:44
